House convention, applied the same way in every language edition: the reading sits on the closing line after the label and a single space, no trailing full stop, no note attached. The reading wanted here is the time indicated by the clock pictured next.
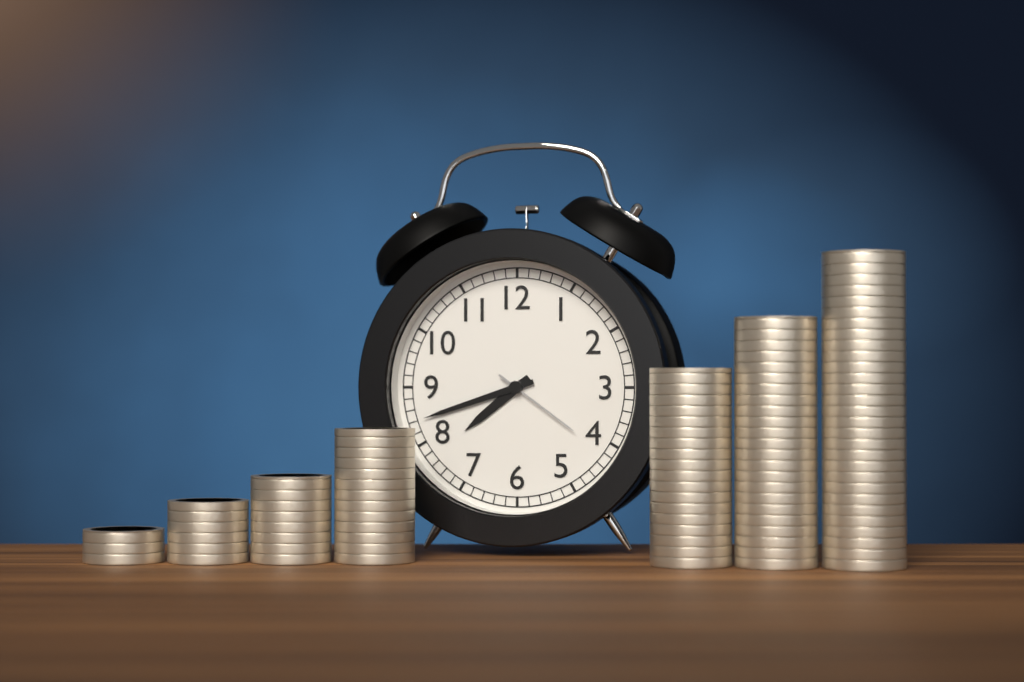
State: 7:42:21
